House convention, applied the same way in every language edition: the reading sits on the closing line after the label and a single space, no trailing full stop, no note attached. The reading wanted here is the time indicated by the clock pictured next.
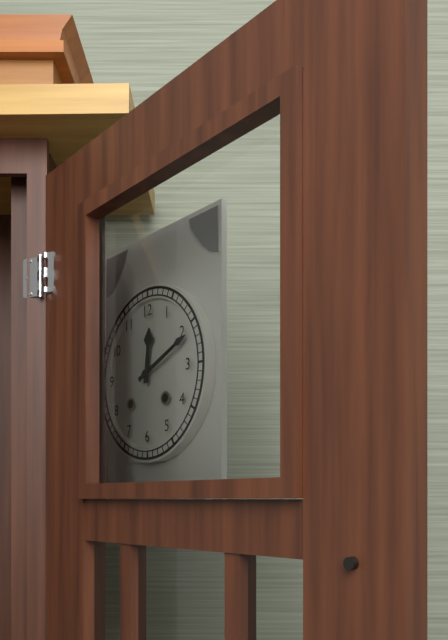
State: 12:11
